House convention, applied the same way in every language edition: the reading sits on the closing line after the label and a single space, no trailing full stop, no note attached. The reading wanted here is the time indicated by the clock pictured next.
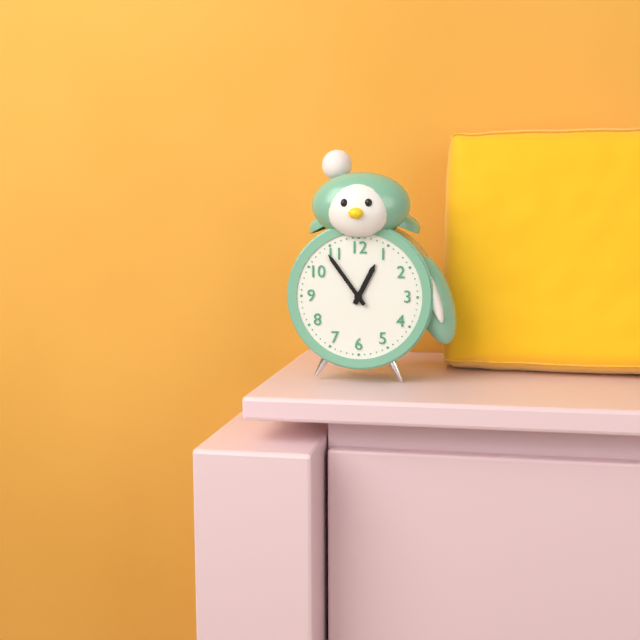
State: 12:54
